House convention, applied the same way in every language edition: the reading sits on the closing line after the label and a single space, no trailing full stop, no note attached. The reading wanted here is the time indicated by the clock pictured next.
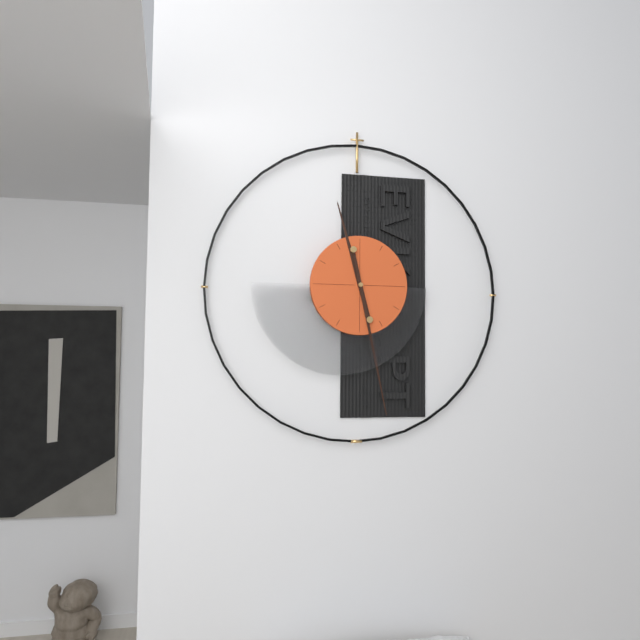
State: 11:28
